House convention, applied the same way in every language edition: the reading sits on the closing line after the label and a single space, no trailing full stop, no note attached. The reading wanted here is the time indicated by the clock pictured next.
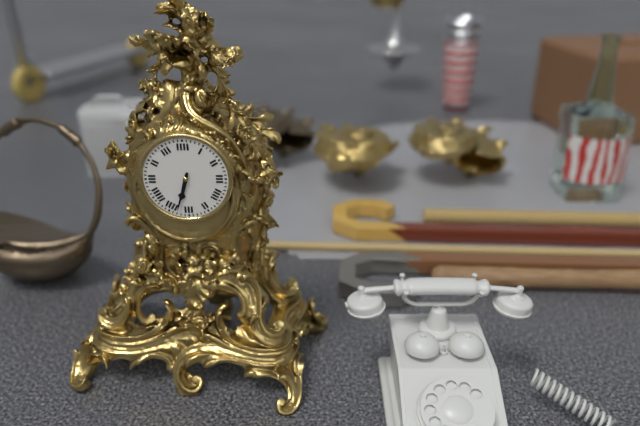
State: 6:33
